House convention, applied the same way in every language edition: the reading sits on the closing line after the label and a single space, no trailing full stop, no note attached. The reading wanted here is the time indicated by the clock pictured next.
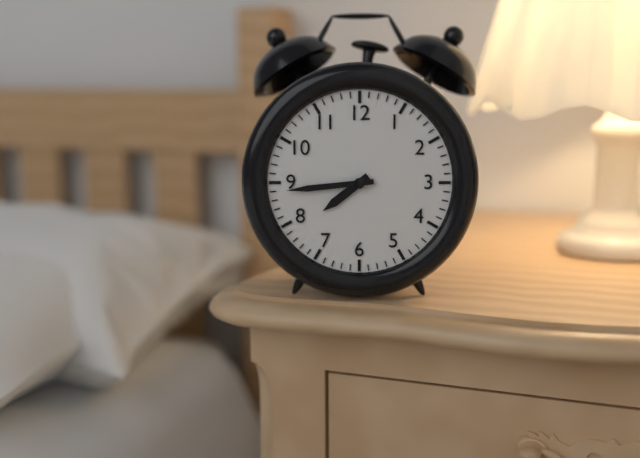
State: 7:44
